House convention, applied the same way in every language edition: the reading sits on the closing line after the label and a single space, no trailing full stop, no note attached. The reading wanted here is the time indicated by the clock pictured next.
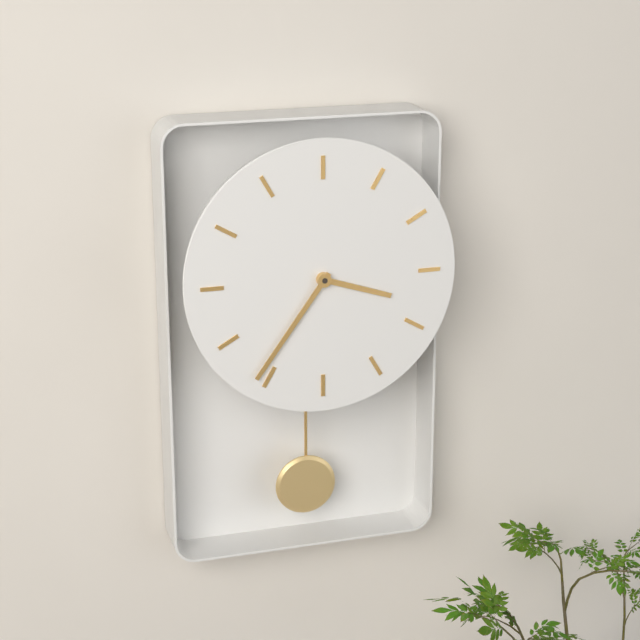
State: 3:36
